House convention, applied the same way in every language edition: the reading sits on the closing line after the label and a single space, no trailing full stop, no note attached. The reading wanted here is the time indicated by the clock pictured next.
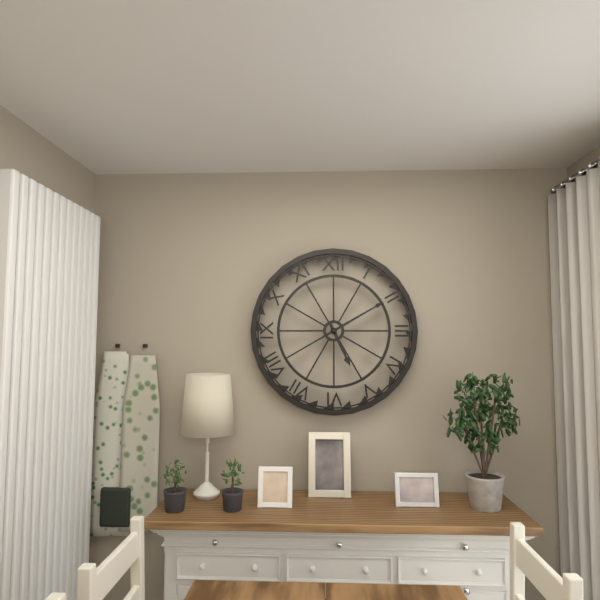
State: 5:10
